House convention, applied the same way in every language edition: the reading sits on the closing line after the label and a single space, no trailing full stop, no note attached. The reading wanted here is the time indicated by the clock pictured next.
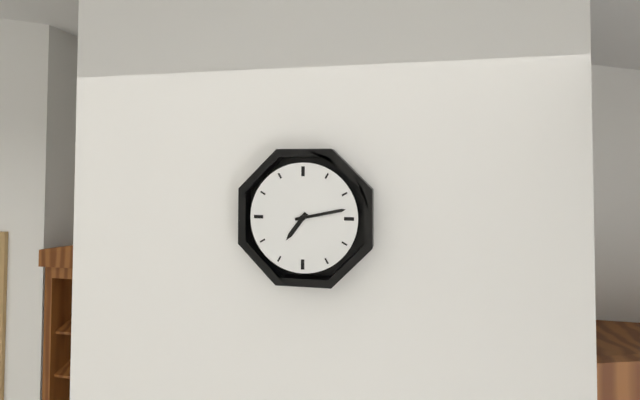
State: 7:13
